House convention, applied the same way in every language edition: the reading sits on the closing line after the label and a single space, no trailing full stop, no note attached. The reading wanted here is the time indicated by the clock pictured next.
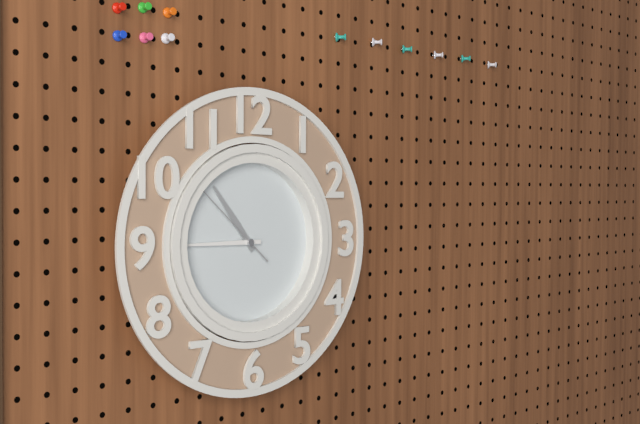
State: 10:45:52
